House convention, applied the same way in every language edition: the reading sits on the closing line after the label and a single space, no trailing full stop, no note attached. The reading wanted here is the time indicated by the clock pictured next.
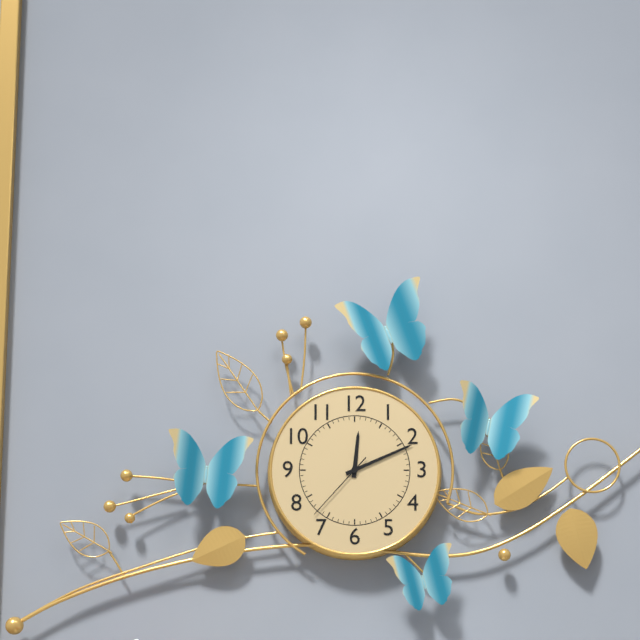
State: 12:11:37
